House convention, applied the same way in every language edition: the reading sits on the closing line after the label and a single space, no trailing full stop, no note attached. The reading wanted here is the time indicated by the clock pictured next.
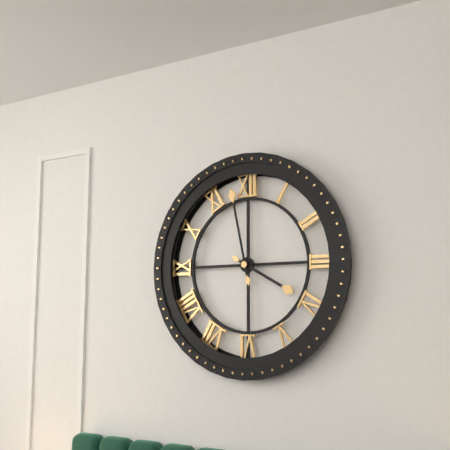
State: 3:58
